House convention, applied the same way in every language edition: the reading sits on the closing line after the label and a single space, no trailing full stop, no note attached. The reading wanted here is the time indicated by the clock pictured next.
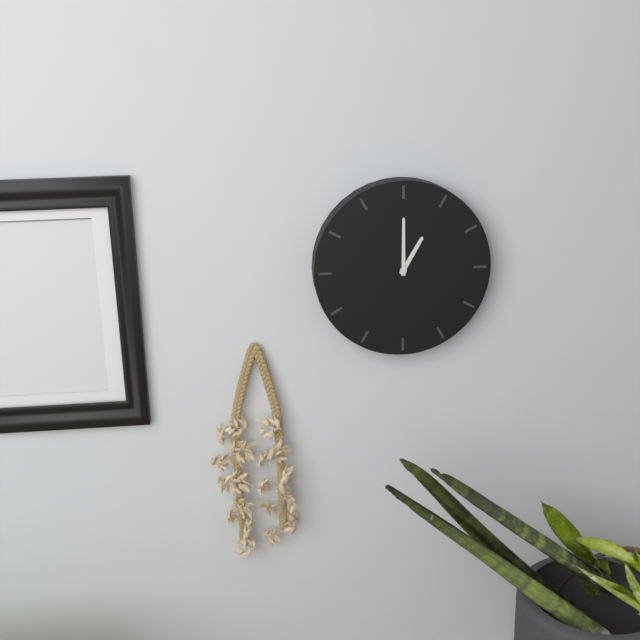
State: 1:00
